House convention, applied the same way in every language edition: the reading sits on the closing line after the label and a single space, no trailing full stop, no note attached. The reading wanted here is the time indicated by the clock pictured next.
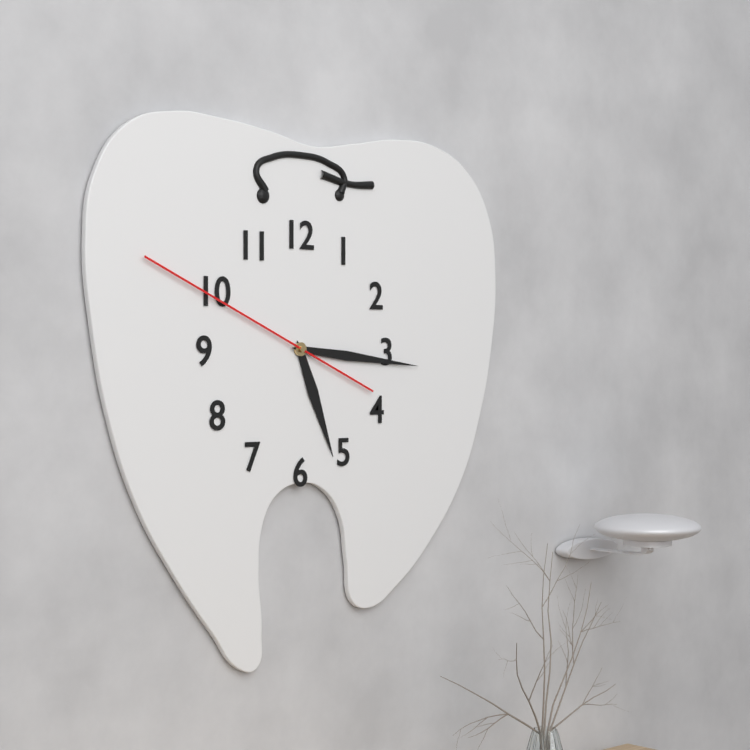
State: 5:16:49
